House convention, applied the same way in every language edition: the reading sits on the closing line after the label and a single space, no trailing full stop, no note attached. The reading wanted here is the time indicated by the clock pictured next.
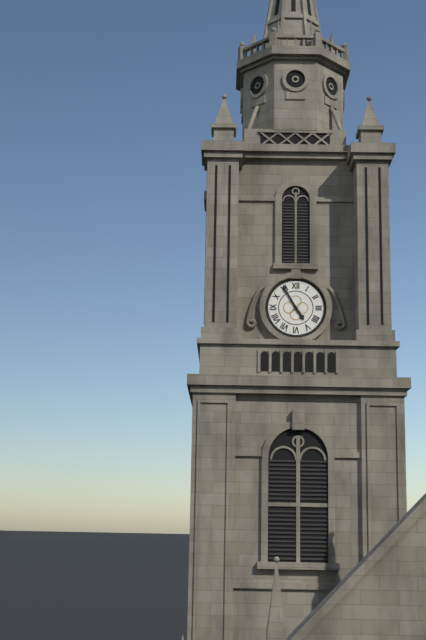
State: 4:55
